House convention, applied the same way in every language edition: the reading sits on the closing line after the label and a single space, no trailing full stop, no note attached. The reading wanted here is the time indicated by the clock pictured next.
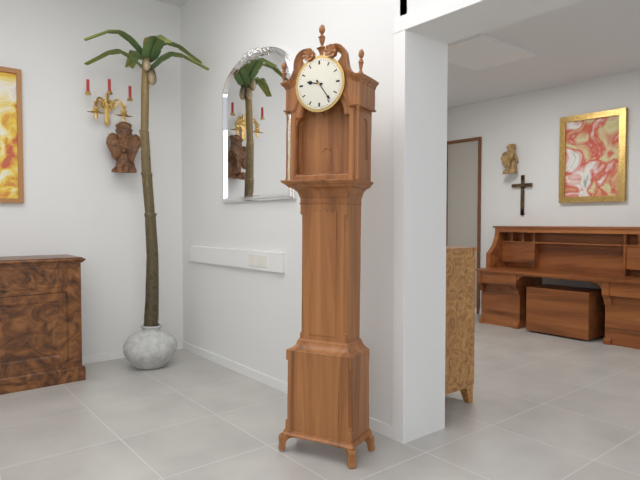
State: 9:24
